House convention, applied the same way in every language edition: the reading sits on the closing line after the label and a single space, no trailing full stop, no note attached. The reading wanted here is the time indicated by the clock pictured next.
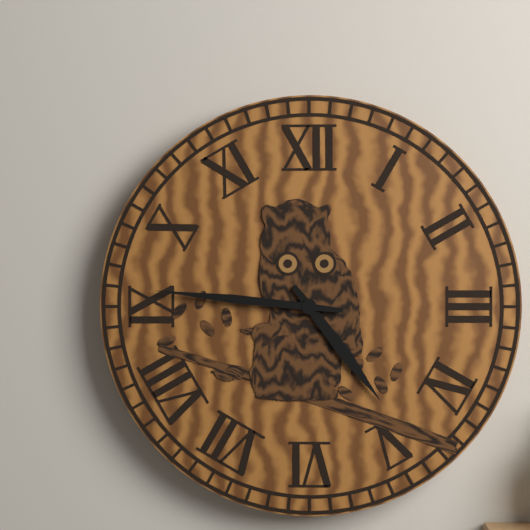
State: 4:46
